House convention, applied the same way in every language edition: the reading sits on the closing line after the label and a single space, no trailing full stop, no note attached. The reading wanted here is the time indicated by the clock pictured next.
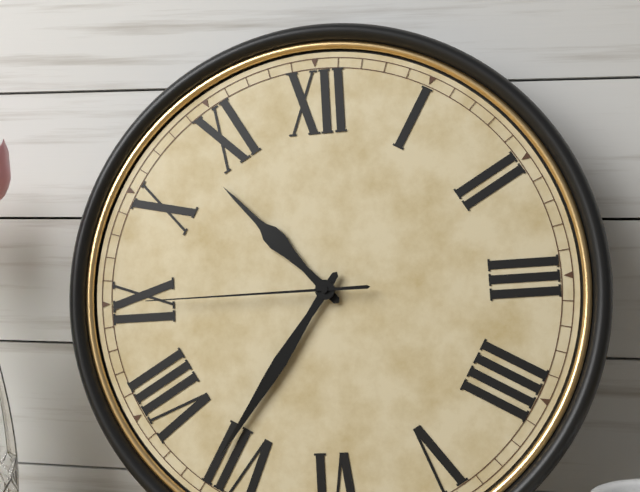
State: 10:36:45
